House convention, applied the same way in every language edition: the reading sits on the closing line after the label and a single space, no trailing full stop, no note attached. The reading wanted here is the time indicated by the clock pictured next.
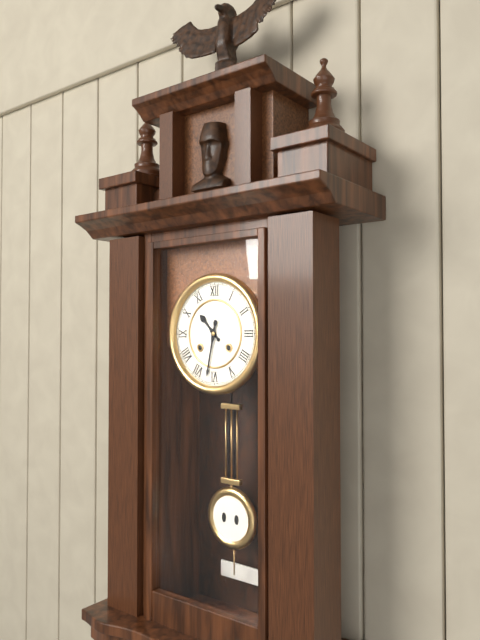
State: 10:32
